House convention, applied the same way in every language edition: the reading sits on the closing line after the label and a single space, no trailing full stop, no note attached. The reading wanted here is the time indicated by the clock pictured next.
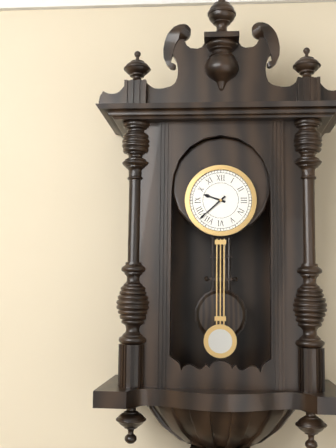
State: 9:38
